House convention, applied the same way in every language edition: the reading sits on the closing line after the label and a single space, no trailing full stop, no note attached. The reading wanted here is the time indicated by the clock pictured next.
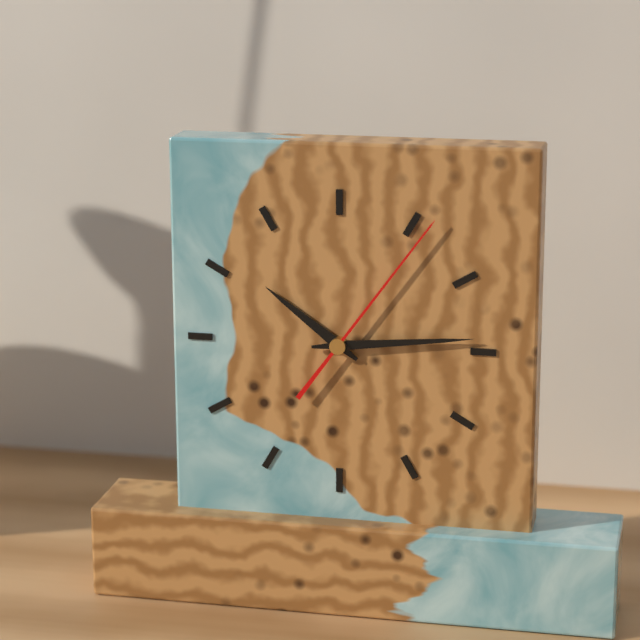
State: 10:14:06
